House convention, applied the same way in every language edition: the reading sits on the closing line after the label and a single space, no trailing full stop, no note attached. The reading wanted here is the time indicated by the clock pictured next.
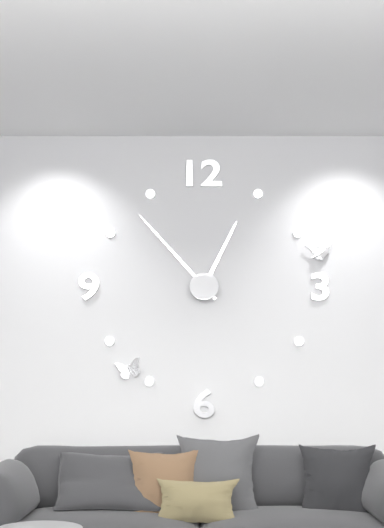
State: 12:53
